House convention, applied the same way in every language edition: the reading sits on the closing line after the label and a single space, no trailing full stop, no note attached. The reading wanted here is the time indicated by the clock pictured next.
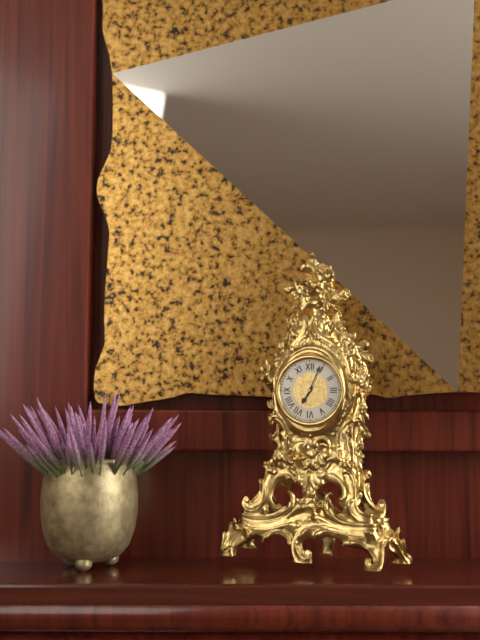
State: 7:04
